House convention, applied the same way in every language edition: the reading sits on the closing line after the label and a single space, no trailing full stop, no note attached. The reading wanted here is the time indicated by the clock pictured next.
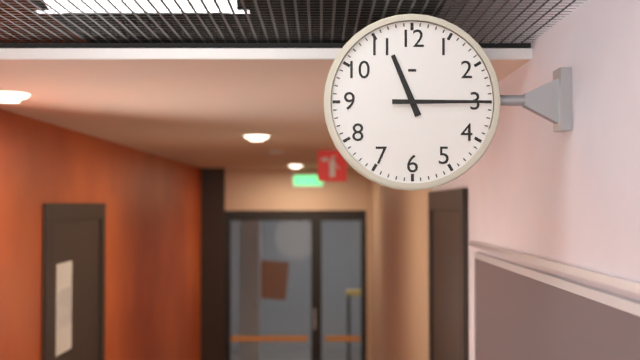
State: 11:15
